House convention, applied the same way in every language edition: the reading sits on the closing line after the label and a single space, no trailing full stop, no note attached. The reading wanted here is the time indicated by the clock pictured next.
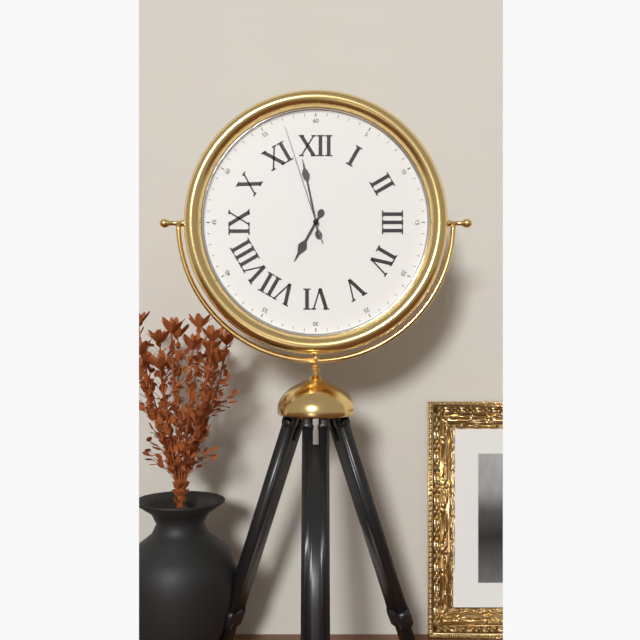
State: 6:58:57
